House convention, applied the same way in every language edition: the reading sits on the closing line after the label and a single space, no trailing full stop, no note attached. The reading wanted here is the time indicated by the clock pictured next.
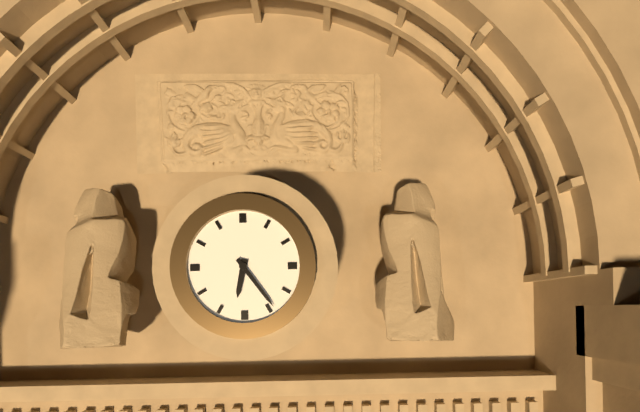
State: 6:24
